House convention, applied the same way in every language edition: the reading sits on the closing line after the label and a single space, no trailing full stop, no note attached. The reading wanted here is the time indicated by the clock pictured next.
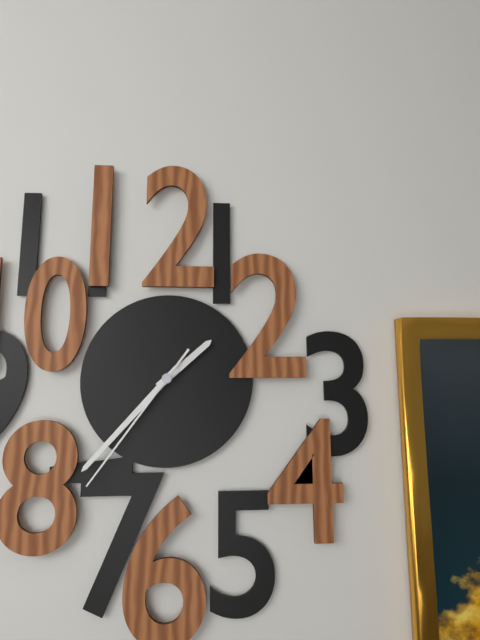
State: 1:37:36
